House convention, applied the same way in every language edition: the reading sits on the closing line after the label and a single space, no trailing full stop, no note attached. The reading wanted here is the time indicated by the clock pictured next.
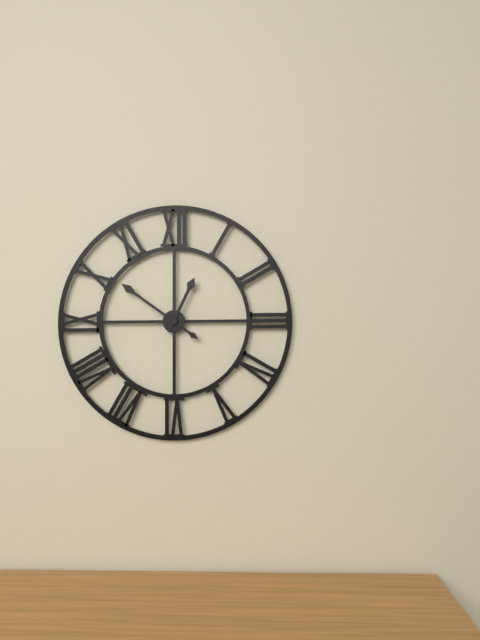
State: 12:51
